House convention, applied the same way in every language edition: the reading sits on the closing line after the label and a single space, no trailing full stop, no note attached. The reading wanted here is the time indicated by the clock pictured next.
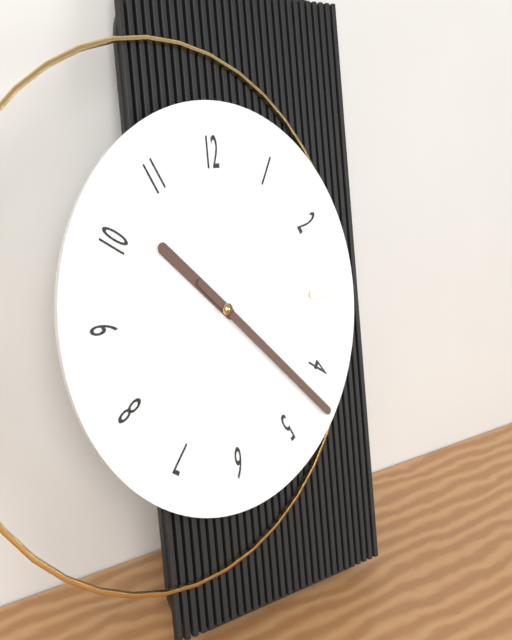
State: 10:22
